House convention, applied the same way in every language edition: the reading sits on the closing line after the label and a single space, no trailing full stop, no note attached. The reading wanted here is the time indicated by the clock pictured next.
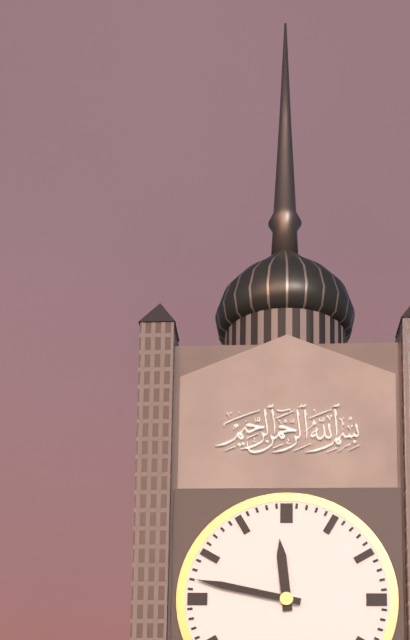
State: 11:47
